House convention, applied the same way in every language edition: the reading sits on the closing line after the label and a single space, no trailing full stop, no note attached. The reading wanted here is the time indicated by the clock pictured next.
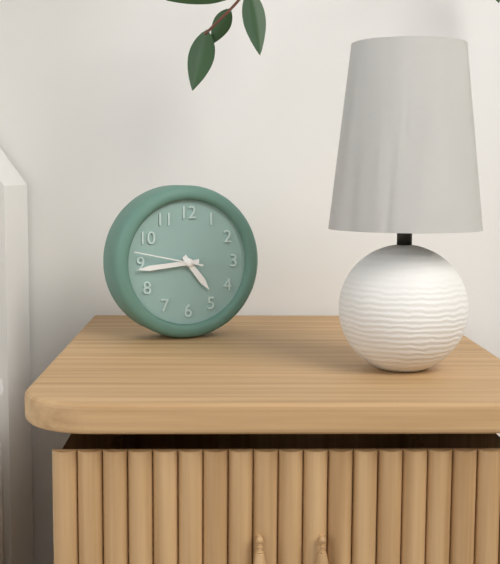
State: 4:44:47
